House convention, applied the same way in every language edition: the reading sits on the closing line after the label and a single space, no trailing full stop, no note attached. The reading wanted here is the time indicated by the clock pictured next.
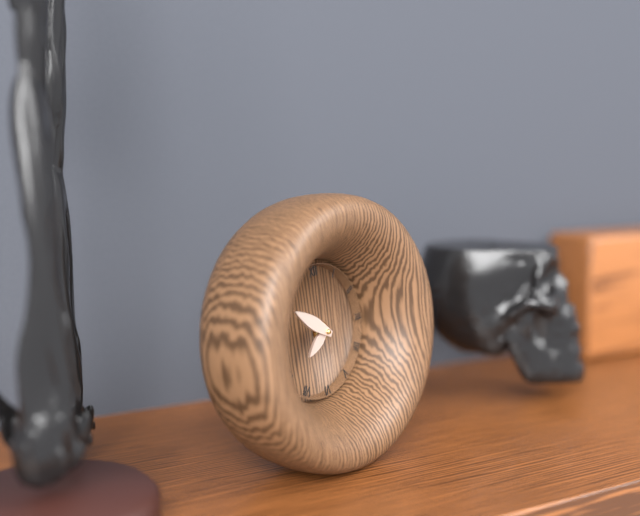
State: 7:51
